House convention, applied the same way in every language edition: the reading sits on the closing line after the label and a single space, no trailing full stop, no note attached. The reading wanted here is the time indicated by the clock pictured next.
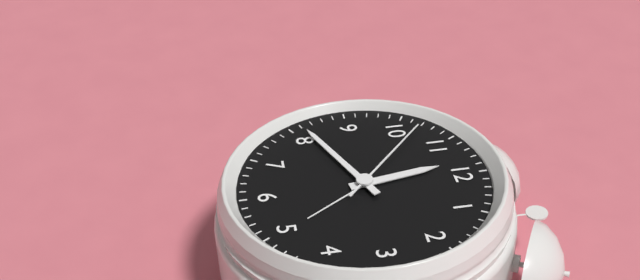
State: 11:41:52
